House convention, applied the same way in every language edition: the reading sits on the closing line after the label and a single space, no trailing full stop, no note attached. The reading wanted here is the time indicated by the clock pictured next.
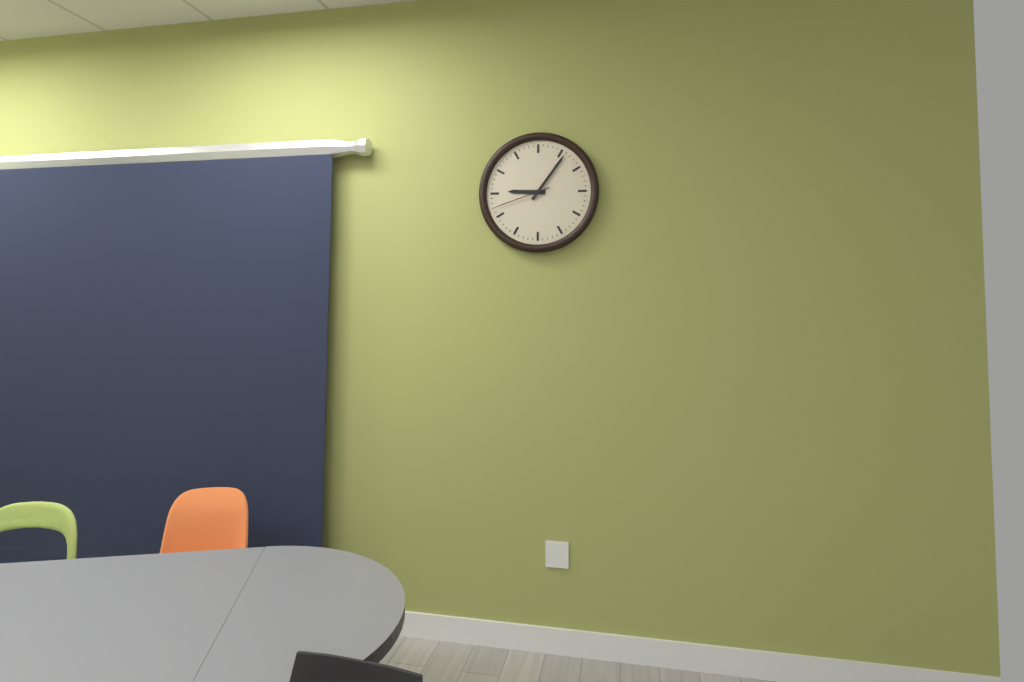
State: 9:06:42
